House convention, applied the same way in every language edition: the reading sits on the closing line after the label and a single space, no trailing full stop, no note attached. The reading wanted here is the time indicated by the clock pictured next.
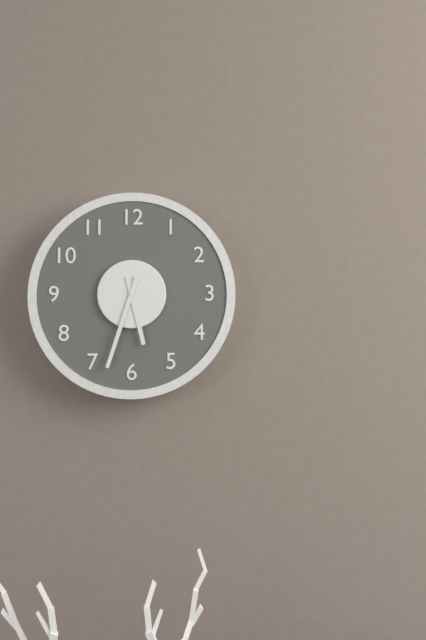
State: 5:33
